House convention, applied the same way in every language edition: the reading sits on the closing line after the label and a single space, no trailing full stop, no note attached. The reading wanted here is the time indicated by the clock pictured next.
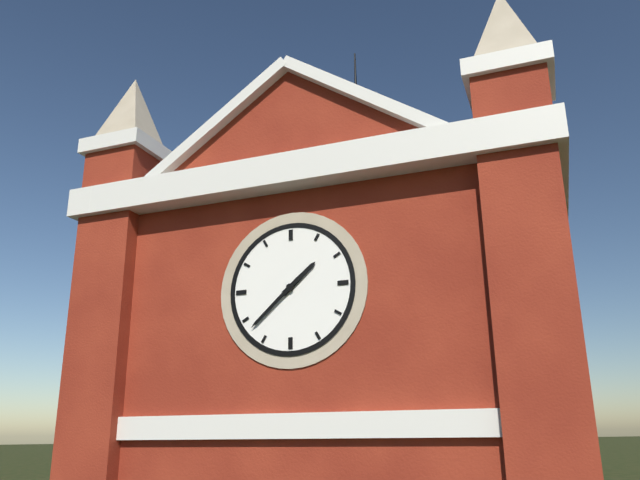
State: 1:38
